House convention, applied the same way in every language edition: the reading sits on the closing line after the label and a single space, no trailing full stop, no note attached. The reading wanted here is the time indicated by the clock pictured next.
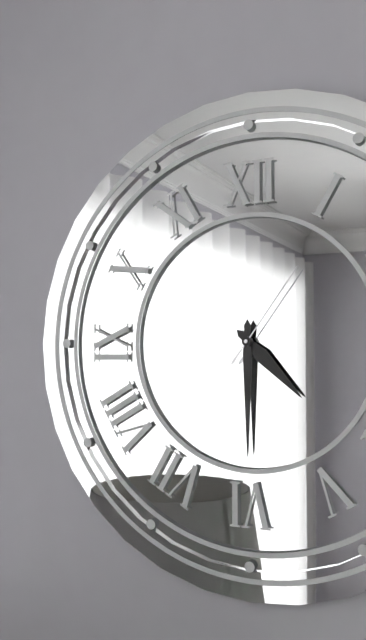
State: 4:30:06
